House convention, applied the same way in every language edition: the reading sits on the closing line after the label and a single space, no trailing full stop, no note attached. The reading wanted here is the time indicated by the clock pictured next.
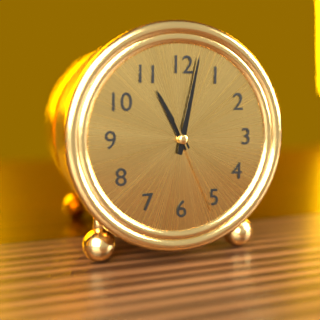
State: 11:02:26
